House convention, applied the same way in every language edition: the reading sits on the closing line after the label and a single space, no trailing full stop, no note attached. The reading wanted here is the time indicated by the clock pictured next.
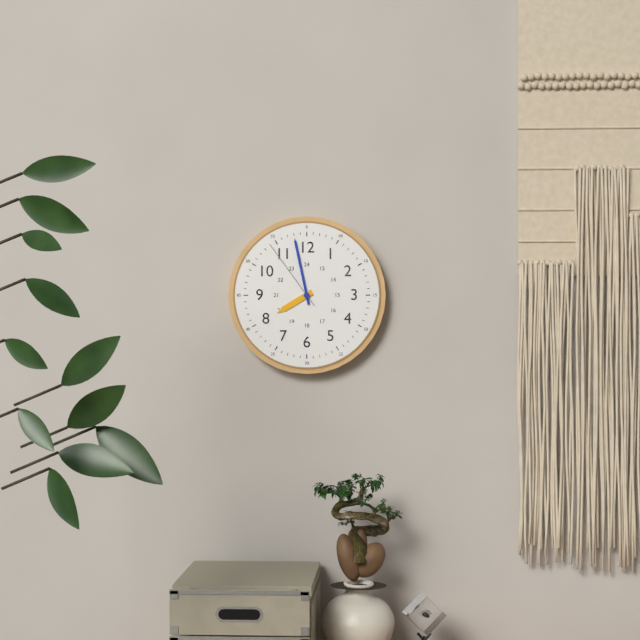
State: 7:58:54
